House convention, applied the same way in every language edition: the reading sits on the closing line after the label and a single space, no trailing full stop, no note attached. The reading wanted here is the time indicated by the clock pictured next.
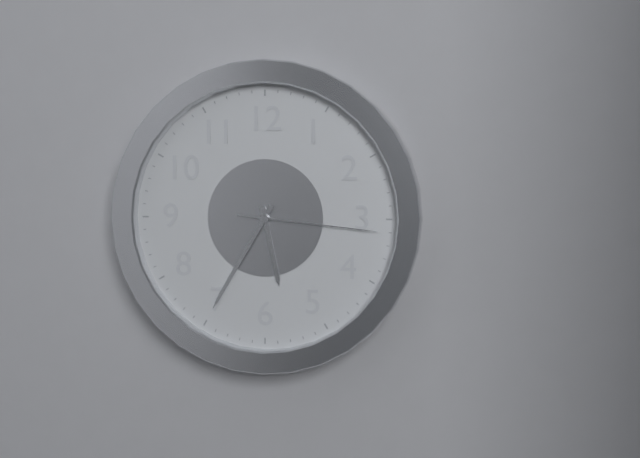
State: 5:35:16
